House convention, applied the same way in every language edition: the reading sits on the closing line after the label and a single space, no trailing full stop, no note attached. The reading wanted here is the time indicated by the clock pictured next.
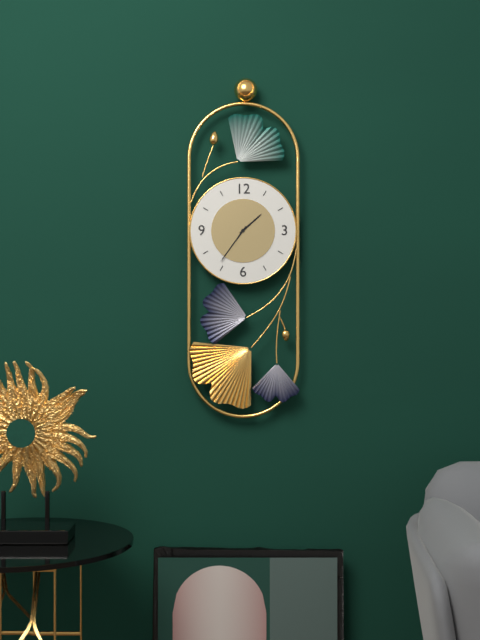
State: 1:36
